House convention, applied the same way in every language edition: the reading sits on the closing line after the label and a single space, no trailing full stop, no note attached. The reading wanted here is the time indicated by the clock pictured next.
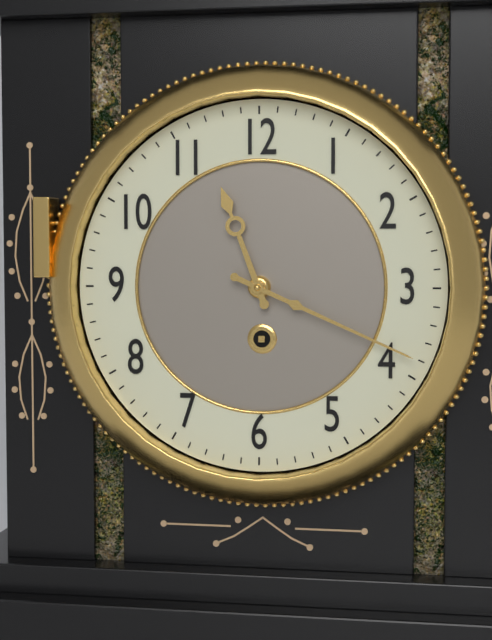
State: 11:19
